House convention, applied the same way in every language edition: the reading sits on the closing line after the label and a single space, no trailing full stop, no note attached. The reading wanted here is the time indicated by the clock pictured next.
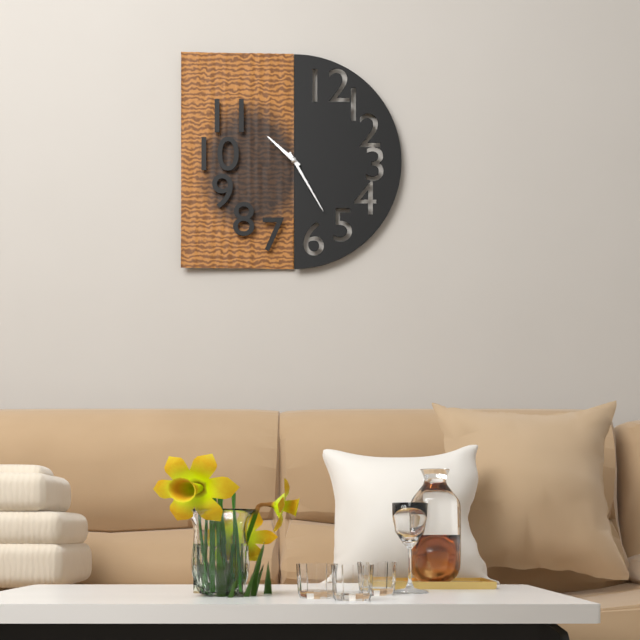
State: 10:25
